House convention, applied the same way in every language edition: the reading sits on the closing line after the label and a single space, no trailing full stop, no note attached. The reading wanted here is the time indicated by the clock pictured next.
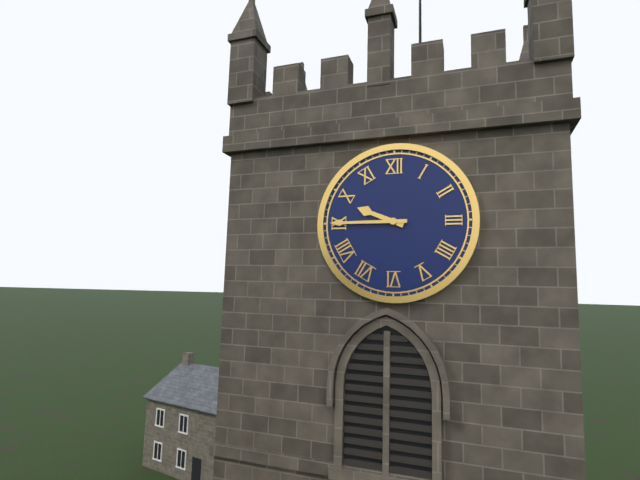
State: 9:45
